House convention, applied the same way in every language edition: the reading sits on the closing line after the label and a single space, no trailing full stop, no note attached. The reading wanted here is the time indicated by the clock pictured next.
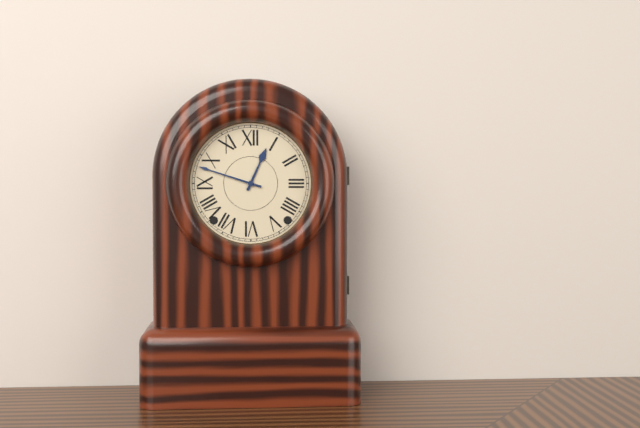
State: 12:48
